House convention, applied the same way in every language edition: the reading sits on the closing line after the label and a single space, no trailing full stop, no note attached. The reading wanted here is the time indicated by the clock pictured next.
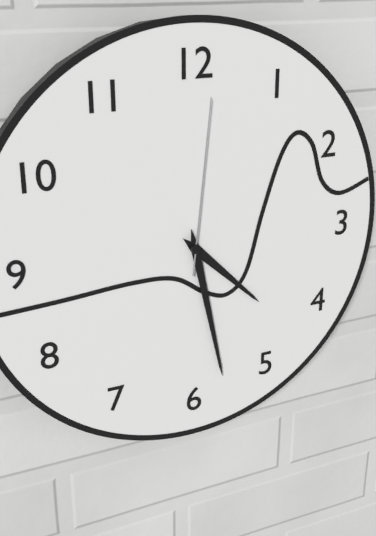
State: 4:28:01
